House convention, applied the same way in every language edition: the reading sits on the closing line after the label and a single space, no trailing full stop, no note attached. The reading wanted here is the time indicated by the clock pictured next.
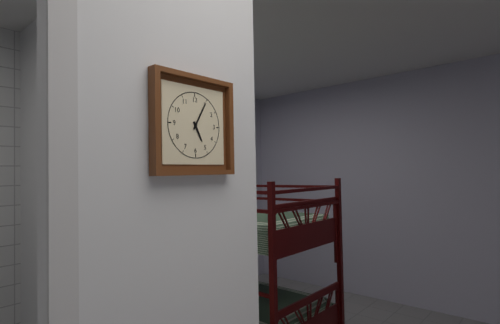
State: 5:05
